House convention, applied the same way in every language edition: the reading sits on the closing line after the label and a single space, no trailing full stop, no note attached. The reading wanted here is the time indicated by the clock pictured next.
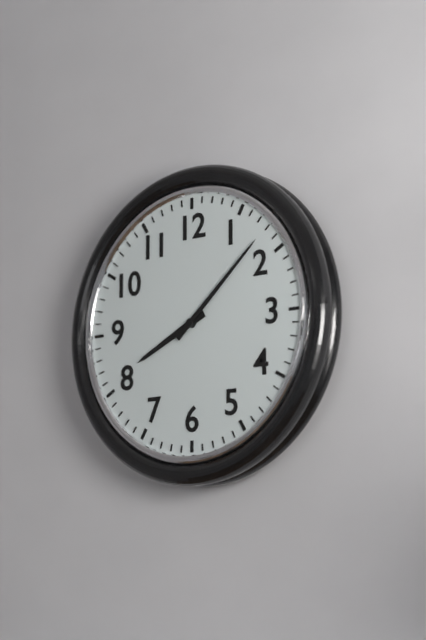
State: 8:08
